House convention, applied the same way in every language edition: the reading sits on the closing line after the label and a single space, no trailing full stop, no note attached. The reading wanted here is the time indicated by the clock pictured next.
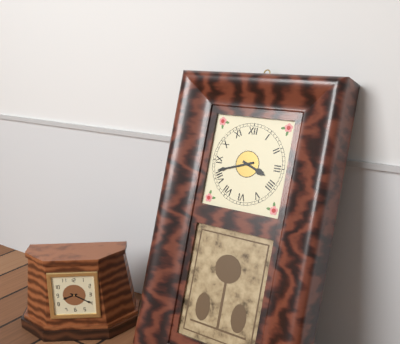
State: 3:42
